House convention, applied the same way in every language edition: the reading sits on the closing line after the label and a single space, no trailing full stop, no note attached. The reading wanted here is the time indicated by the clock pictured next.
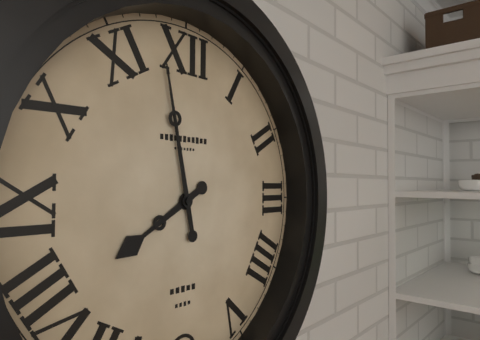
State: 7:58
